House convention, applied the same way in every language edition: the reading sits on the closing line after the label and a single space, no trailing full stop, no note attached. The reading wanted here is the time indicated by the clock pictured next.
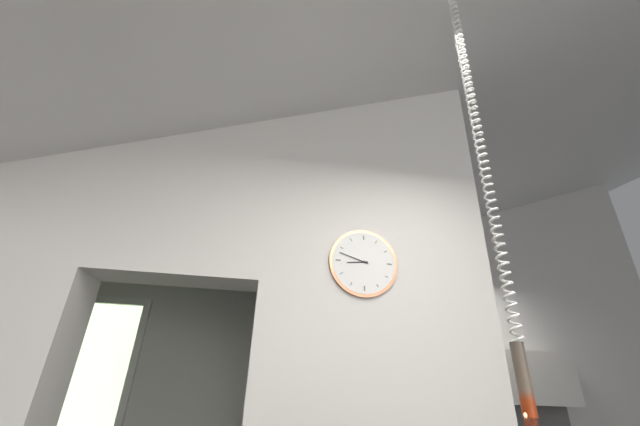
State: 8:48
